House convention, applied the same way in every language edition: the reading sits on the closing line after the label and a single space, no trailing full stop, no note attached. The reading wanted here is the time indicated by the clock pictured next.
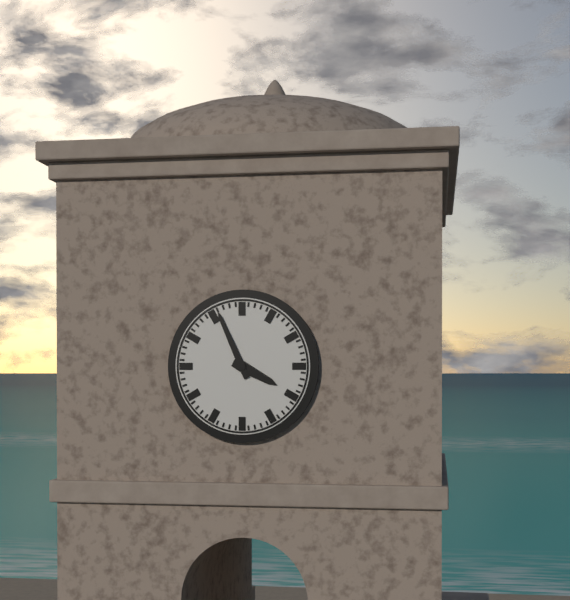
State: 3:56
